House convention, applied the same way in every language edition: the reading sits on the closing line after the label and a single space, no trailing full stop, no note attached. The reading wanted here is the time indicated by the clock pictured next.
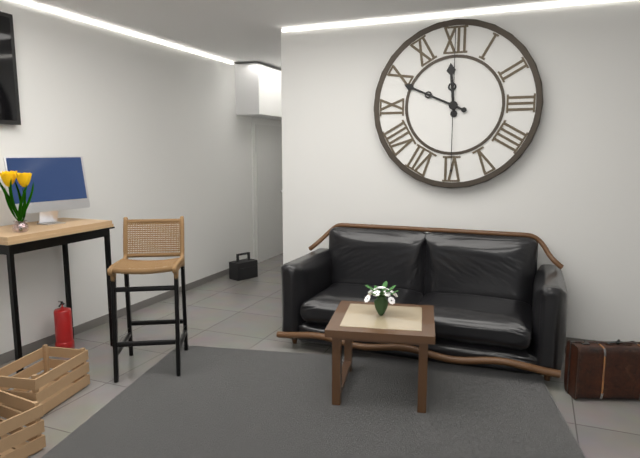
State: 11:49:00
